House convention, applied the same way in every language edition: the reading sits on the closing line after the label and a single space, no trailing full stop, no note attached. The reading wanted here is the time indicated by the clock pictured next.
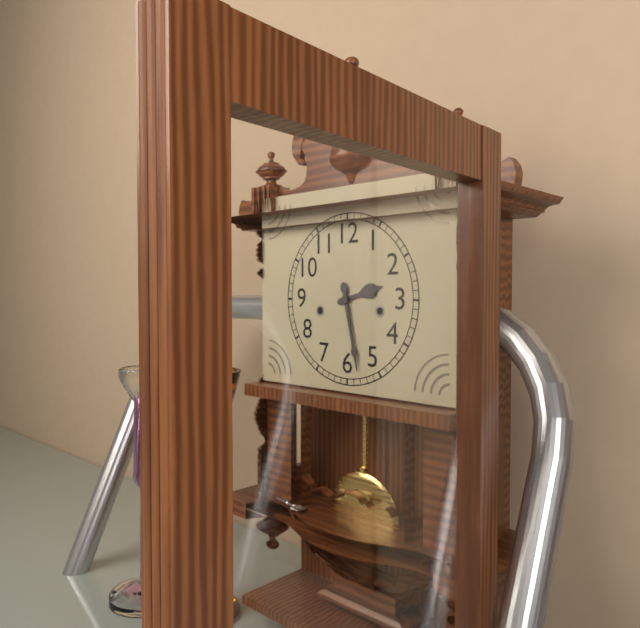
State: 2:28
